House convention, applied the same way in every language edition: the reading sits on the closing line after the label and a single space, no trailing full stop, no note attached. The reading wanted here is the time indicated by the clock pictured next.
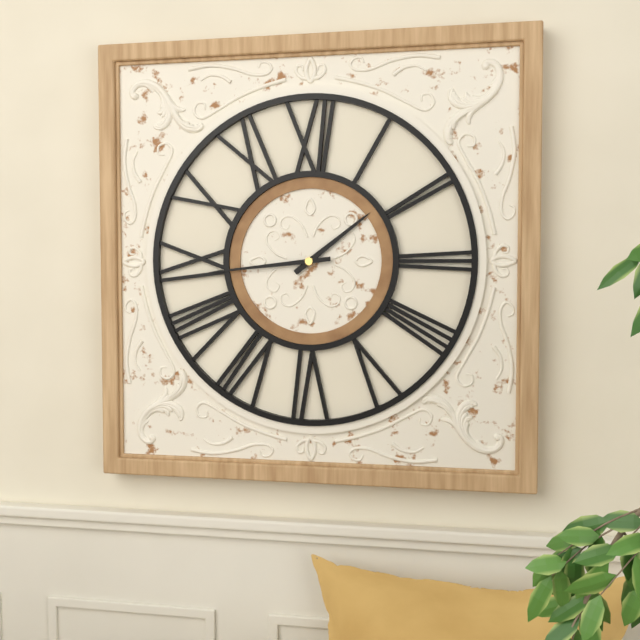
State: 1:44
